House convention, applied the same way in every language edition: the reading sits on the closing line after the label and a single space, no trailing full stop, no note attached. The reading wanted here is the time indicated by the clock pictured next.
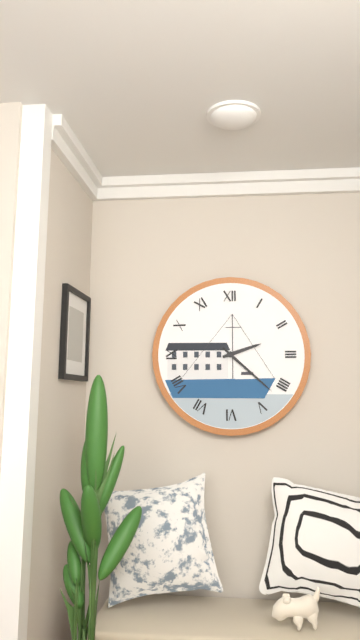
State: 2:22
